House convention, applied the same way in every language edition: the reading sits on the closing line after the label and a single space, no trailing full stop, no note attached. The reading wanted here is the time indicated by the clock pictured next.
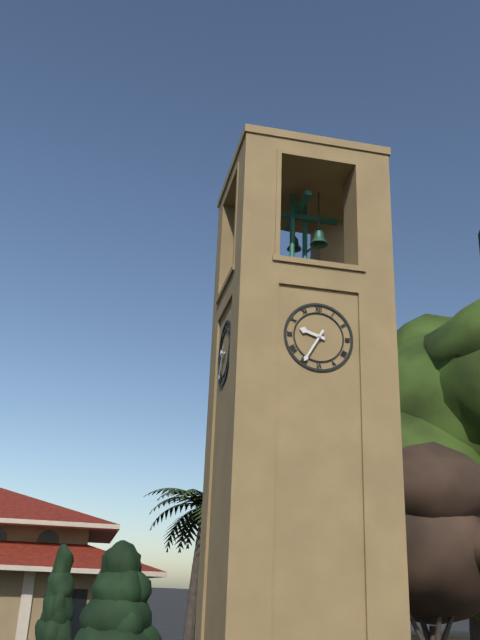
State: 9:35
